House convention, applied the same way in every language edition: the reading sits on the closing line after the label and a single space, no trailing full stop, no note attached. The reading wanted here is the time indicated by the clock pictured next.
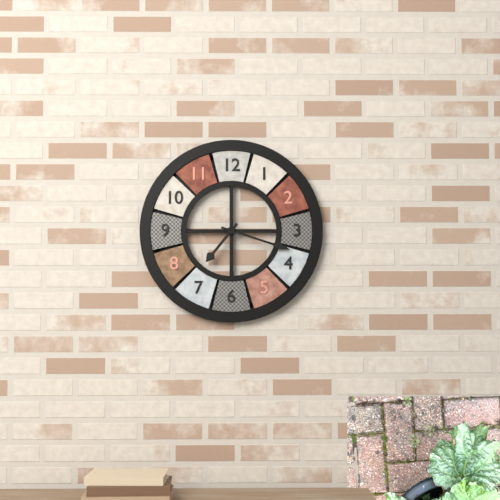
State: 7:18
